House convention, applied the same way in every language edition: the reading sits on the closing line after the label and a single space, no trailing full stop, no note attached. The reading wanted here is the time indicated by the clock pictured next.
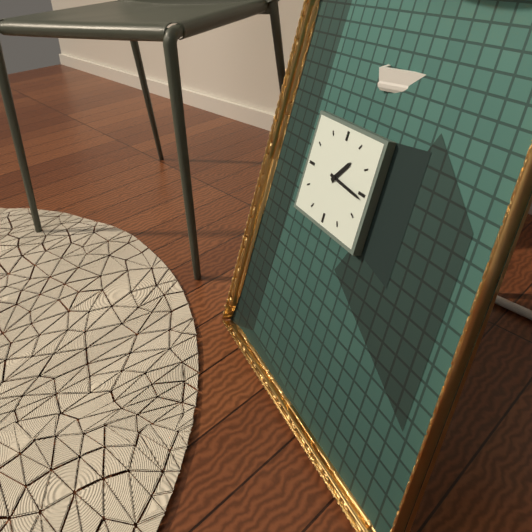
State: 1:16
